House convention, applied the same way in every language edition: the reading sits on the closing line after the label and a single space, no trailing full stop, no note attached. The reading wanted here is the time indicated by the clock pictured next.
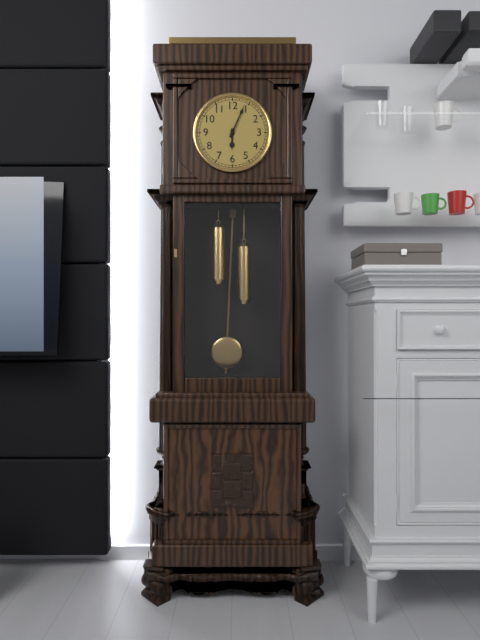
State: 6:04
